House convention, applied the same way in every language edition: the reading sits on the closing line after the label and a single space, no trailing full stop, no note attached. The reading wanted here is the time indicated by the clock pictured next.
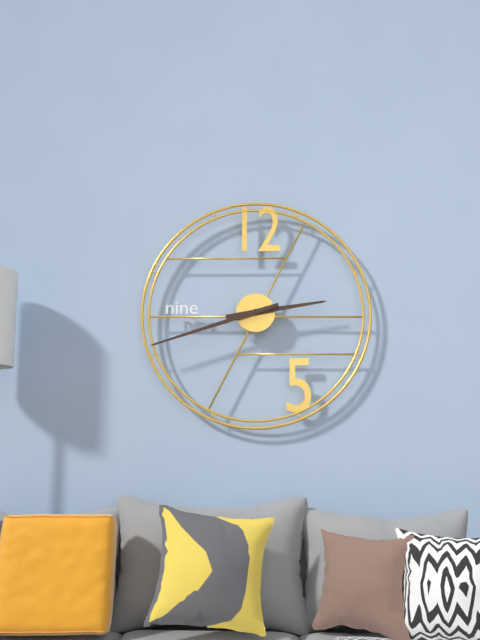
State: 2:42
